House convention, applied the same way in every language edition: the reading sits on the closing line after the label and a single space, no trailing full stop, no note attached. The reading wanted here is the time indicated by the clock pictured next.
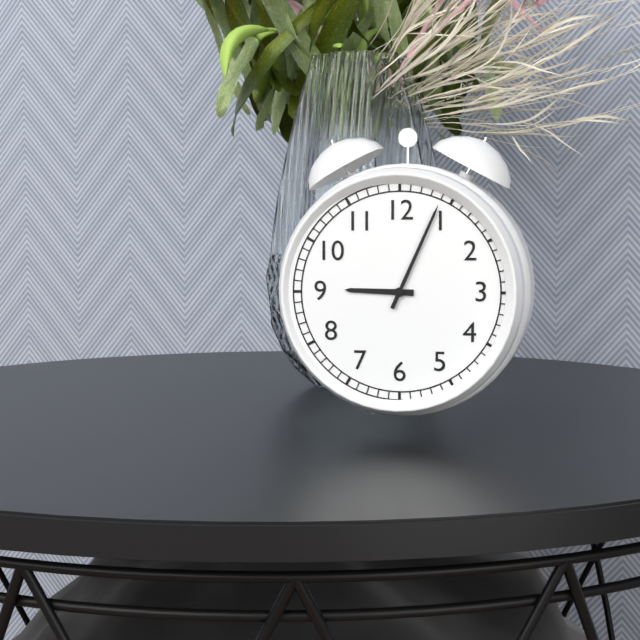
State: 9:04
